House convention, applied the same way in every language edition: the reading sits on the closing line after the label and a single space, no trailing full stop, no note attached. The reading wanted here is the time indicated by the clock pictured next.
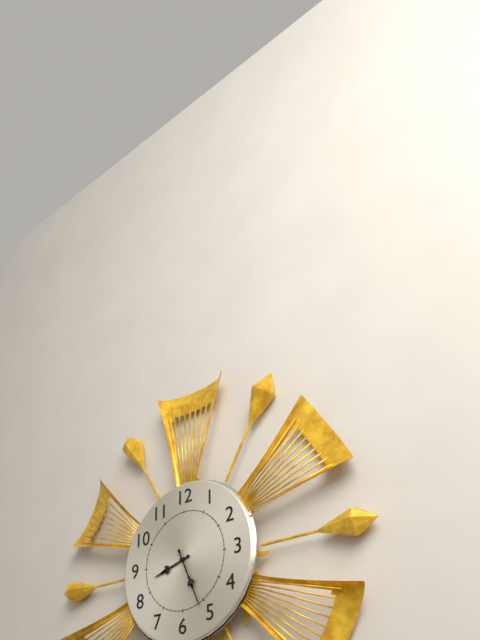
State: 8:26
